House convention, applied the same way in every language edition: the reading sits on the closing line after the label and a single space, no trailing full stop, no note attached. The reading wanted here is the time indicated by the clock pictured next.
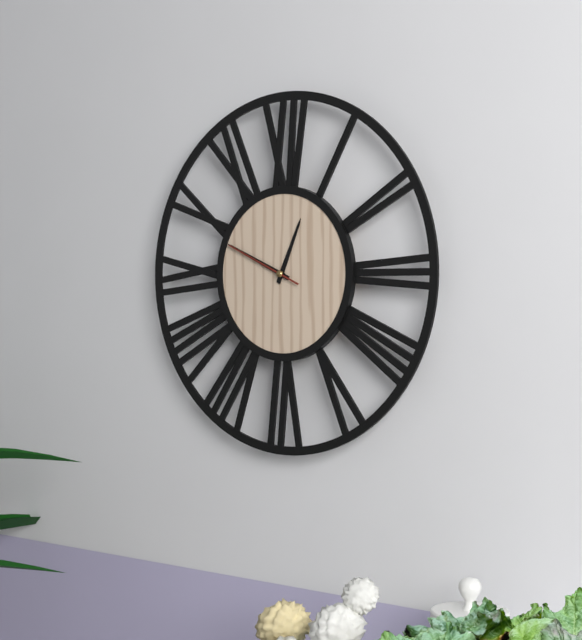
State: 12:49:49
